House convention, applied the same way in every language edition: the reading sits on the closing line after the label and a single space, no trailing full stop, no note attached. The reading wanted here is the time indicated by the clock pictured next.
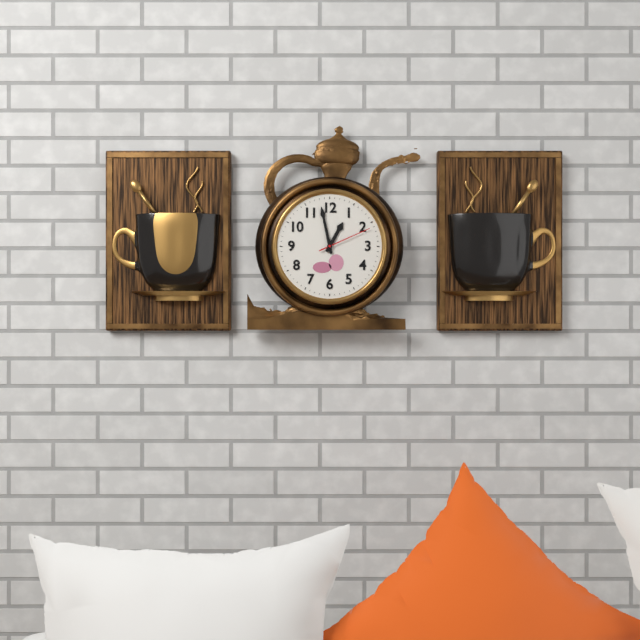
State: 12:58:11
